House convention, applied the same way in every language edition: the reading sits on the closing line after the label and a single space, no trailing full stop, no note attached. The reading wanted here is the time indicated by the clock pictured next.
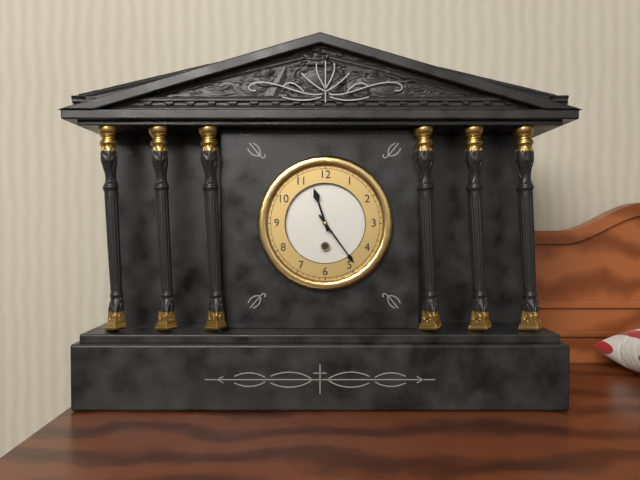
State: 11:24
